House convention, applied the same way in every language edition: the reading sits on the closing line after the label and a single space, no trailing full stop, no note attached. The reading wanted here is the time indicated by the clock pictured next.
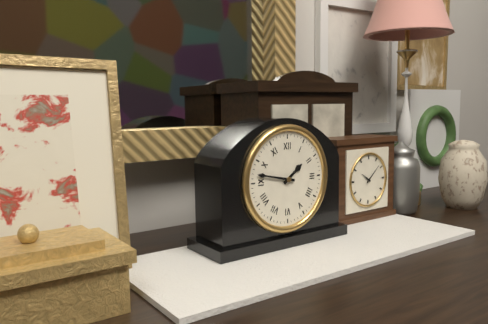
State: 1:47
